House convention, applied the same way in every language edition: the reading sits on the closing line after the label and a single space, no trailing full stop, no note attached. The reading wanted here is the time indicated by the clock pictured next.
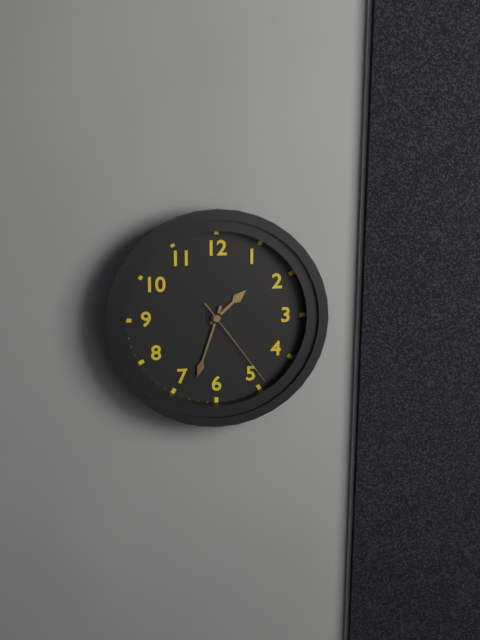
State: 1:33:24
